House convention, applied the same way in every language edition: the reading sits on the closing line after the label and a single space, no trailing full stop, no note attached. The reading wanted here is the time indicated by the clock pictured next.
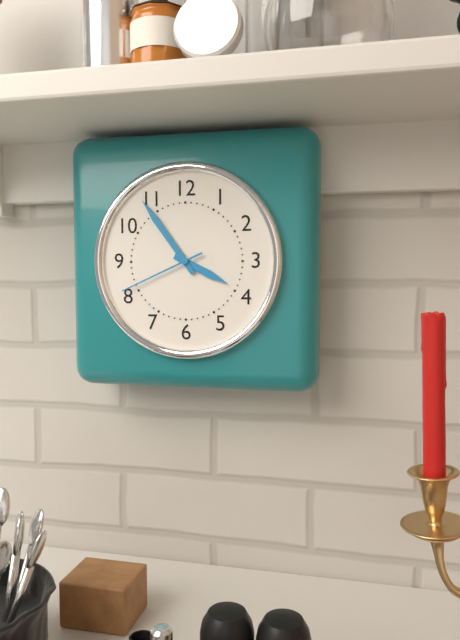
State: 3:54:41
